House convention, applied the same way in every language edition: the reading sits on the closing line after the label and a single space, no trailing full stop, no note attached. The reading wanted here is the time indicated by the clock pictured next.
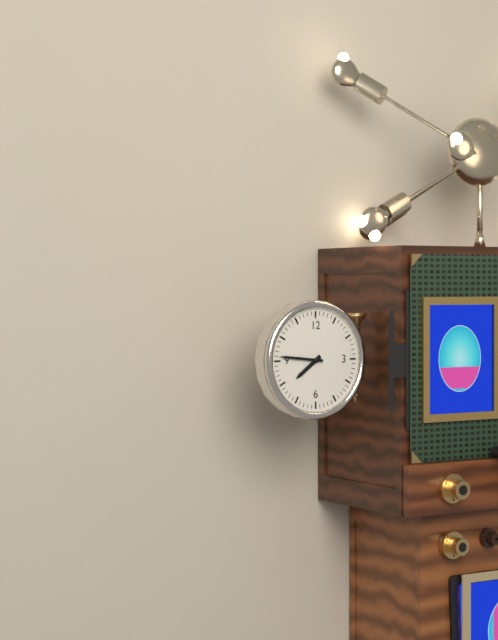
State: 7:46
